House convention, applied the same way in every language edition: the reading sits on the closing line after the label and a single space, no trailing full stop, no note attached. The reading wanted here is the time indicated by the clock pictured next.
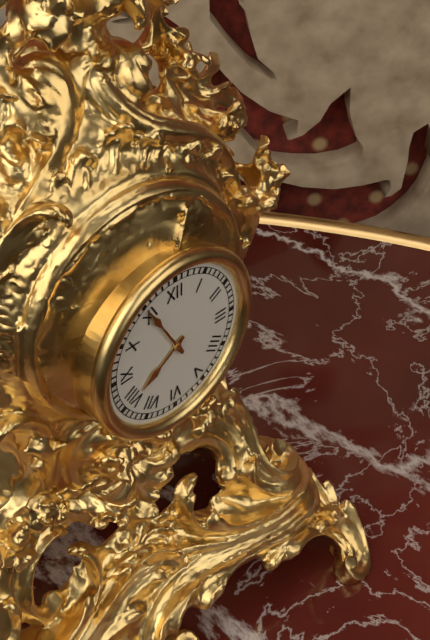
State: 7:55
